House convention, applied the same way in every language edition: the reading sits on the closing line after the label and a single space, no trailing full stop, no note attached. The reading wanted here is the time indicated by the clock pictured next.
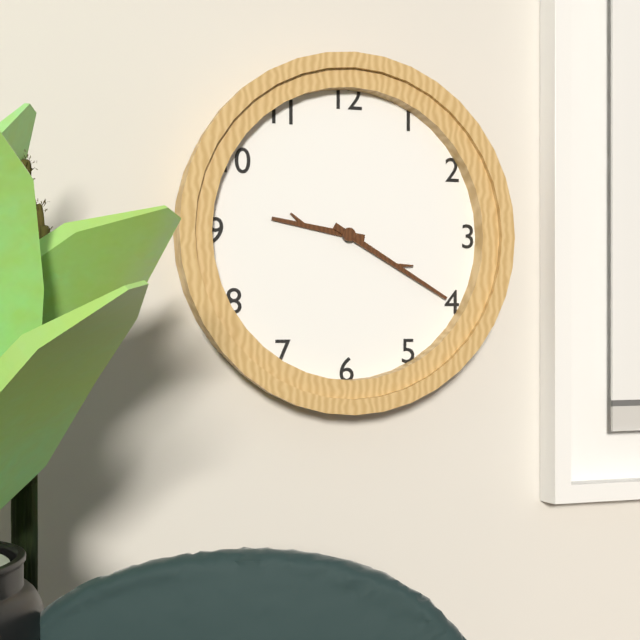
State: 9:20
